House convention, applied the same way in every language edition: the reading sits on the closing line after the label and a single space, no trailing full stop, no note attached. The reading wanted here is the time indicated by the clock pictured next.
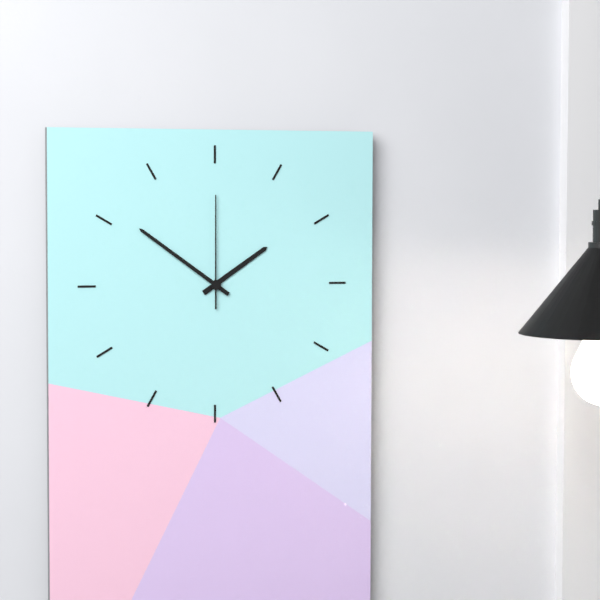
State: 1:51:00
